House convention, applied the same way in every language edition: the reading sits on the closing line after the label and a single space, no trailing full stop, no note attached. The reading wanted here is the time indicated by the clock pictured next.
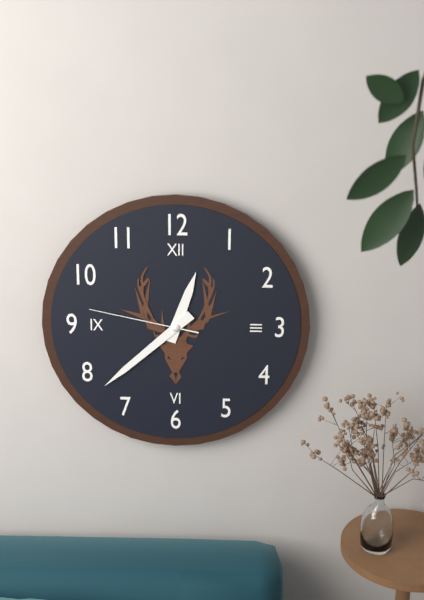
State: 12:38:47
